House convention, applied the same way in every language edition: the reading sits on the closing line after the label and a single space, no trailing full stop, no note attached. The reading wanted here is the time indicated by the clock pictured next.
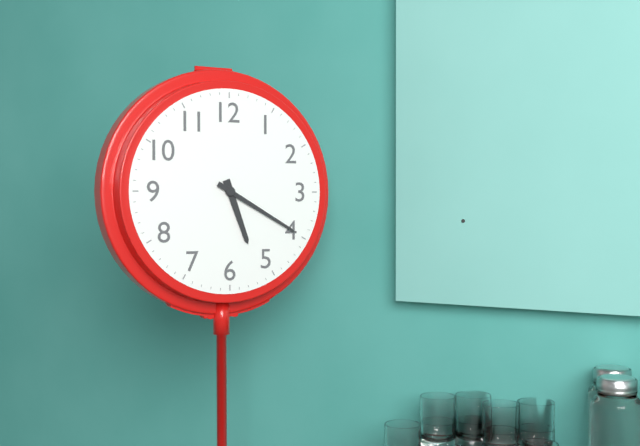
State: 5:20
